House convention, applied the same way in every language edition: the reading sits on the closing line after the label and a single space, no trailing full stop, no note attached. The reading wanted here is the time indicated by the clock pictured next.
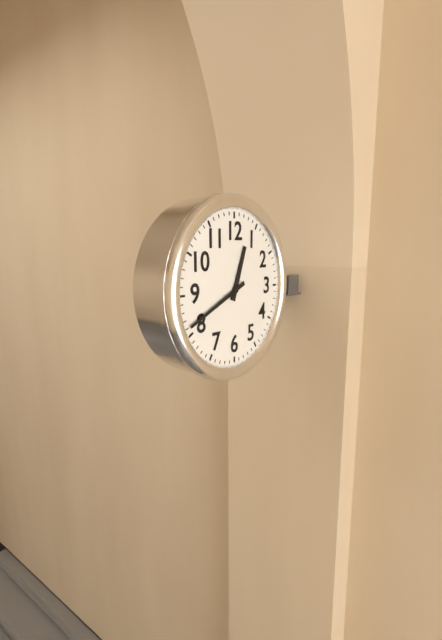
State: 12:41
